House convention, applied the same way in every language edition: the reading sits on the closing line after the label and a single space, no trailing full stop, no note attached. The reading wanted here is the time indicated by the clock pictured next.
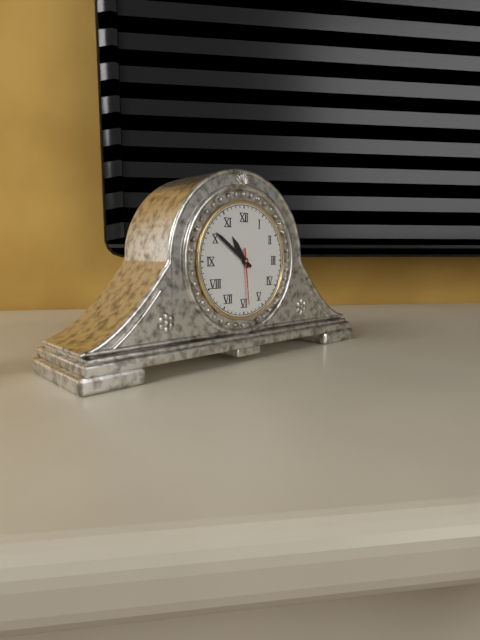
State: 10:51:29
